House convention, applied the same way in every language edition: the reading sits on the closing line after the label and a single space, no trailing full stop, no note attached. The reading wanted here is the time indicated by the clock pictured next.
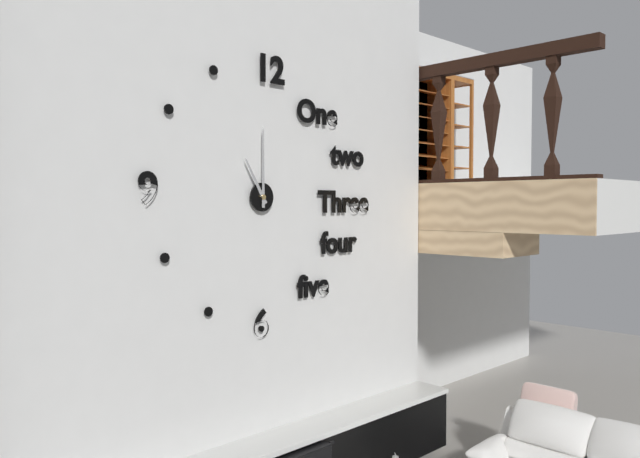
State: 11:00
